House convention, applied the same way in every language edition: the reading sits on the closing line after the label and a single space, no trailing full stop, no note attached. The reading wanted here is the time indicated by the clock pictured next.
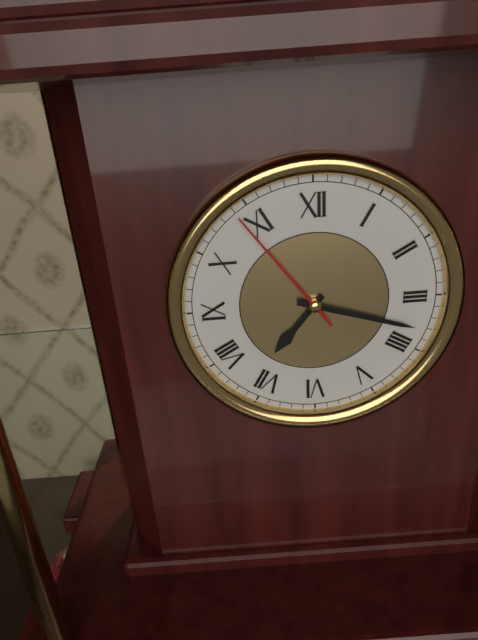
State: 7:18:54
